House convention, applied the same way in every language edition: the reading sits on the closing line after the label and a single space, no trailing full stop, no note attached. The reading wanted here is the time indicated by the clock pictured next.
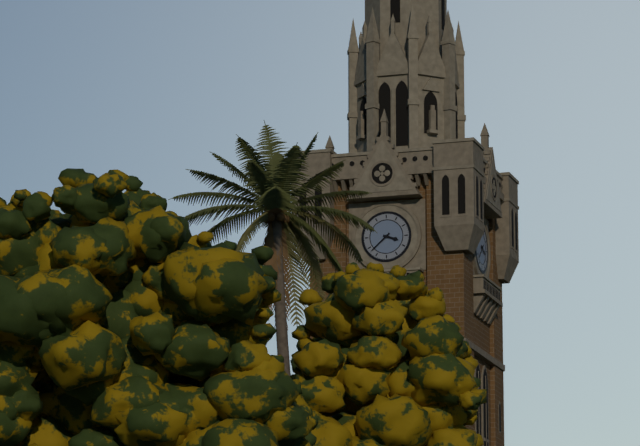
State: 3:38
